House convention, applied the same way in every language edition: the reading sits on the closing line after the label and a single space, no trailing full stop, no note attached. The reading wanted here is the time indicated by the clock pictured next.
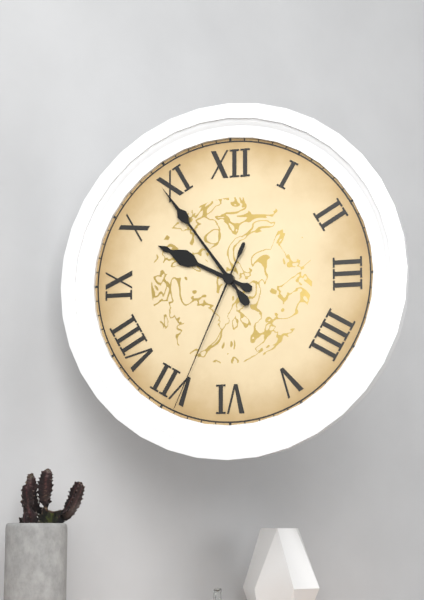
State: 9:54:34
